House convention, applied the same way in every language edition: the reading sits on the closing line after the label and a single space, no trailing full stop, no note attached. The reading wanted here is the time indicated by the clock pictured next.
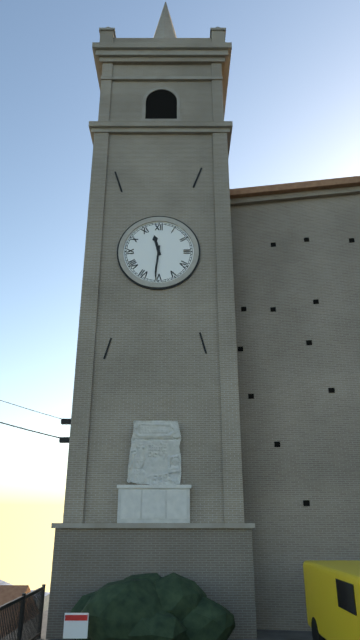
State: 11:31
